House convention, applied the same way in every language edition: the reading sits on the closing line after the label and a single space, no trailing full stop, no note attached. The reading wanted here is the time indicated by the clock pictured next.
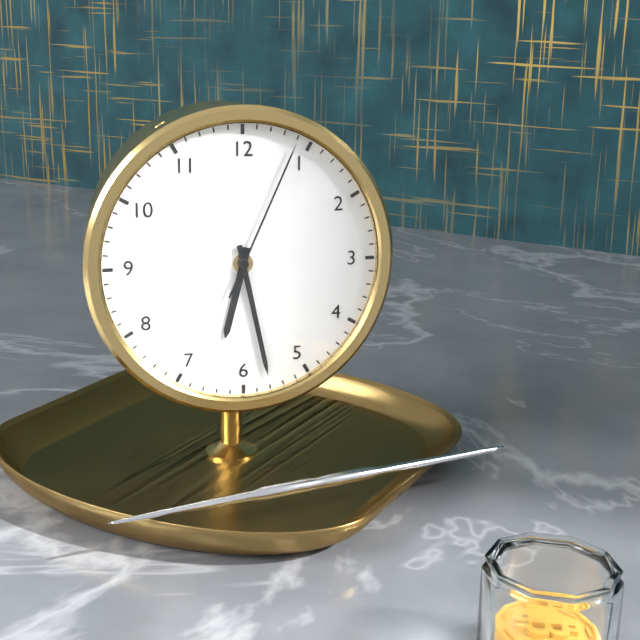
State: 6:28:04
